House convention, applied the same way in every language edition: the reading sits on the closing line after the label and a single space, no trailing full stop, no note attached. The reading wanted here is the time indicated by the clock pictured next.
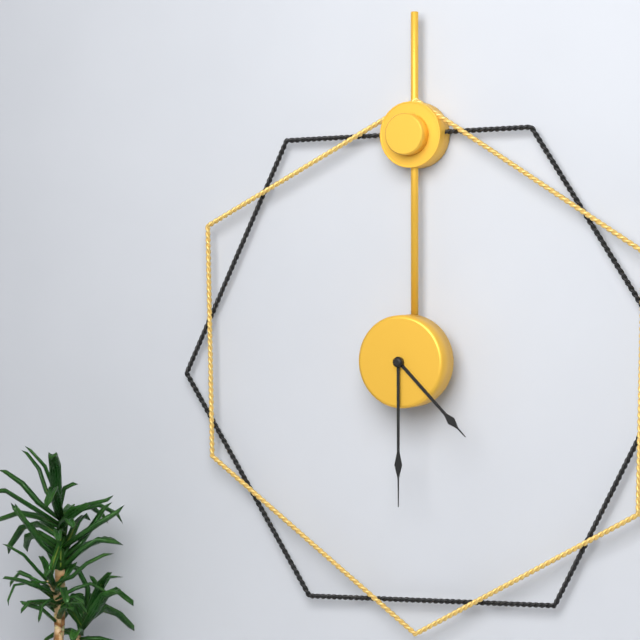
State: 4:30
